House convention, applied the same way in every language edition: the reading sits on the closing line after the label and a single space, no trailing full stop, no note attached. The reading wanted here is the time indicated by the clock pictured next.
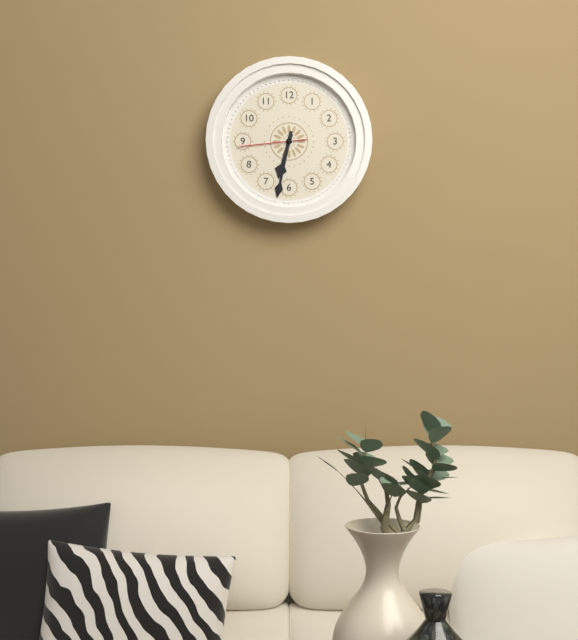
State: 6:32:44
